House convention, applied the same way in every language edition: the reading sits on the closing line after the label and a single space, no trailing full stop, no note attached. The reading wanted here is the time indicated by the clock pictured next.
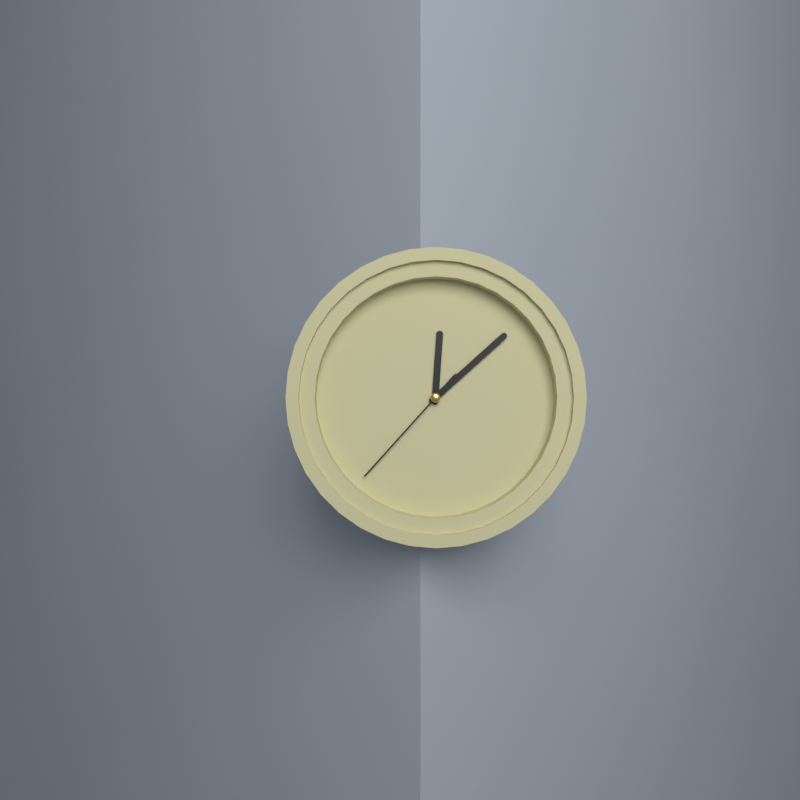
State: 12:08:37
